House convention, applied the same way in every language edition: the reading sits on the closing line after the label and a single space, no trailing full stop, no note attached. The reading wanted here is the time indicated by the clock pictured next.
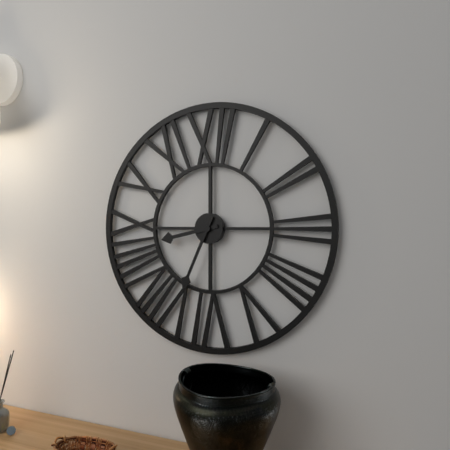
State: 8:34
